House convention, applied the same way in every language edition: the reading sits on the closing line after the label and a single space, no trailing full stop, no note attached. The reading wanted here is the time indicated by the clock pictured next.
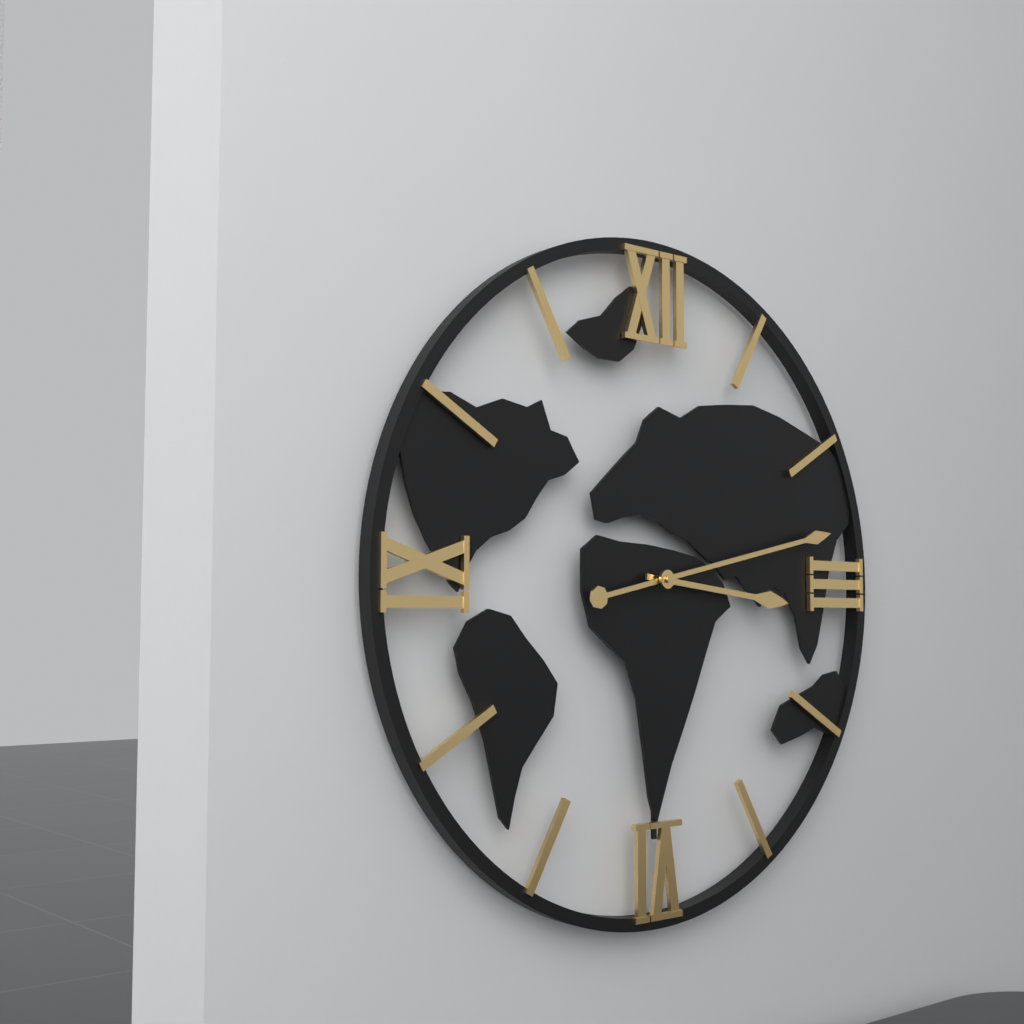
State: 3:13
